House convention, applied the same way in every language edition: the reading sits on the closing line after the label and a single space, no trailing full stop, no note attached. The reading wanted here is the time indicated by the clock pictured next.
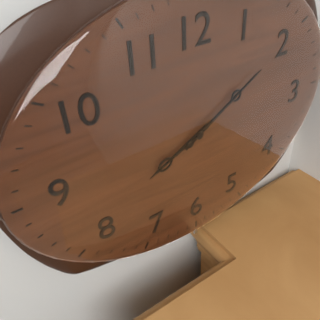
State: 8:10
